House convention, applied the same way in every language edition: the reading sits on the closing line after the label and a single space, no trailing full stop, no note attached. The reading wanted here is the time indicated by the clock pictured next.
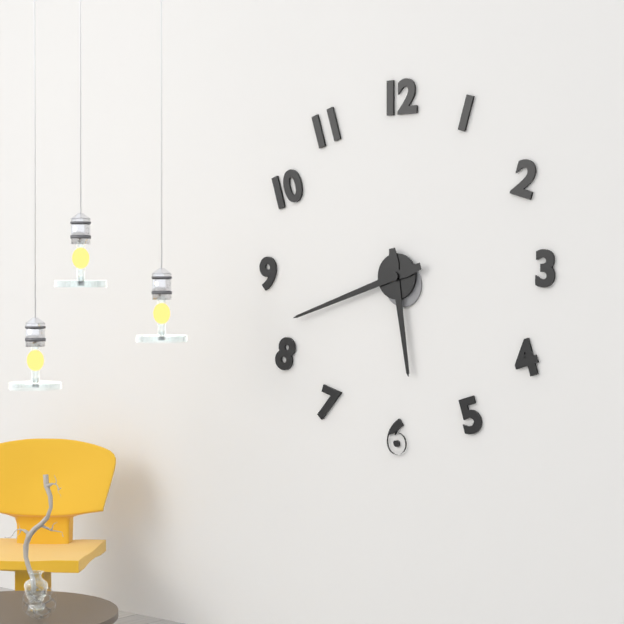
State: 5:42
